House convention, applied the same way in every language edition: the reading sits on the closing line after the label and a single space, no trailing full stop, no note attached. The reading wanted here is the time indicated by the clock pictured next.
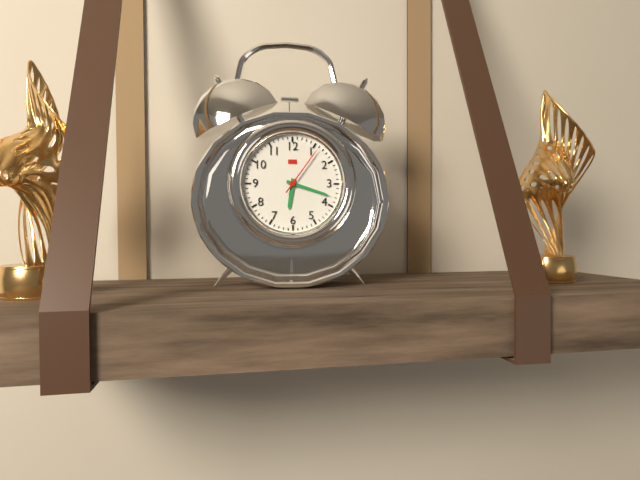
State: 6:18:06
